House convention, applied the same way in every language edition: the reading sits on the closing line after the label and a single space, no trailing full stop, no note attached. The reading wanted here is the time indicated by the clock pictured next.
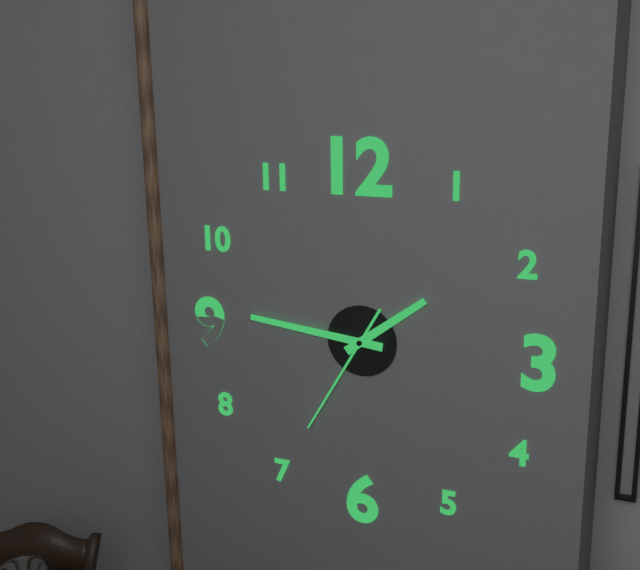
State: 1:46:35
